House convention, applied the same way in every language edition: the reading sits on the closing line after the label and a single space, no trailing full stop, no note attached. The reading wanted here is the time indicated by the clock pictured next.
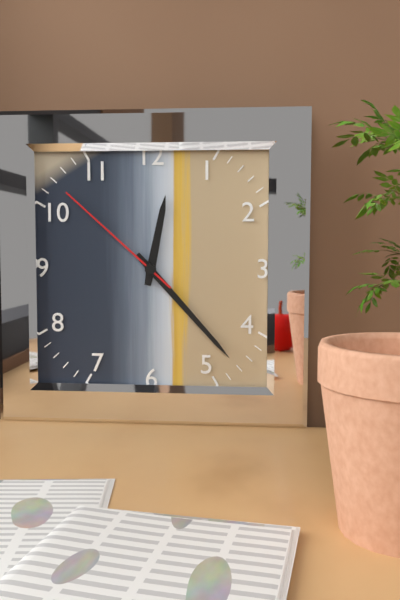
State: 12:23:52
